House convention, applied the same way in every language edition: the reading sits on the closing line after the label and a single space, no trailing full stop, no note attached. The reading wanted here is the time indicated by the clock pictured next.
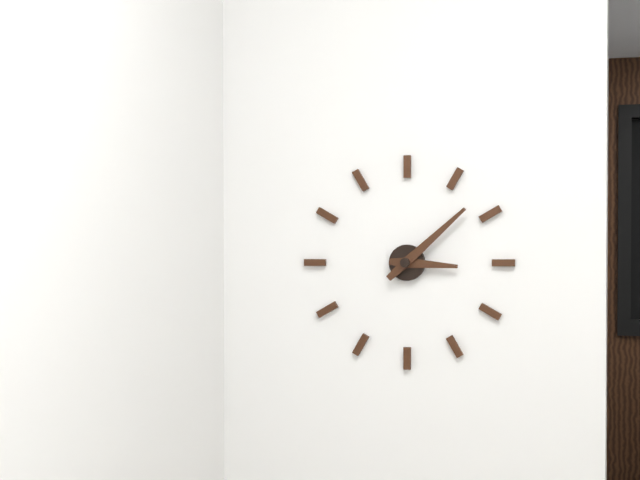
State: 3:08
